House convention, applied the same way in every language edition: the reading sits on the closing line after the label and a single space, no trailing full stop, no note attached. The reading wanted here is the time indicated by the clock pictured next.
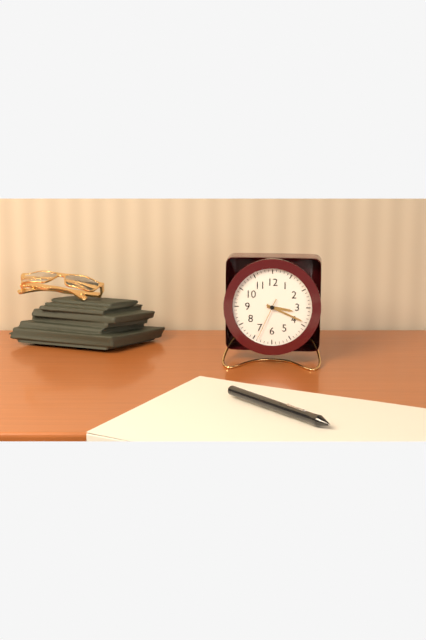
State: 3:19
